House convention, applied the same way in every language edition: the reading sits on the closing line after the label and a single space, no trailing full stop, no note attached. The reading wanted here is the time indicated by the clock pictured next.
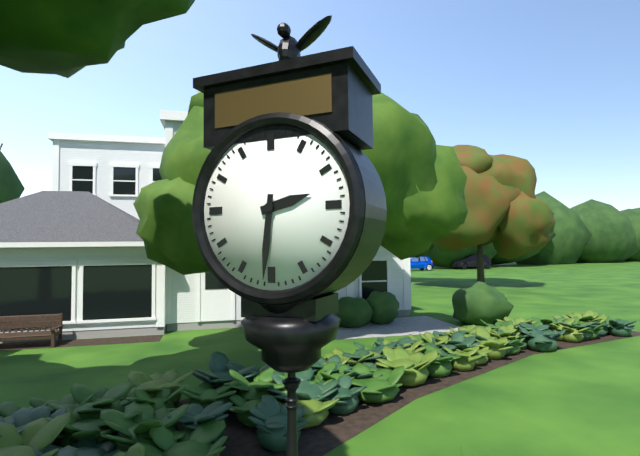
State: 2:31
